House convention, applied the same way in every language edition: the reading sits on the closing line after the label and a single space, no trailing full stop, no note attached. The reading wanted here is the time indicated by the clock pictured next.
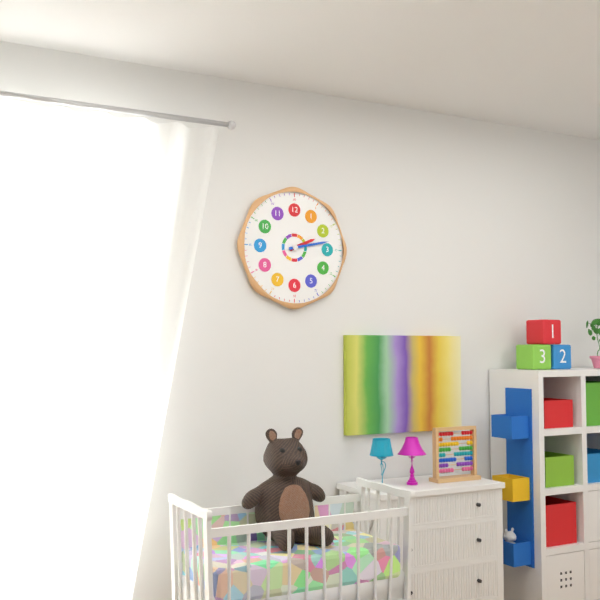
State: 2:13
